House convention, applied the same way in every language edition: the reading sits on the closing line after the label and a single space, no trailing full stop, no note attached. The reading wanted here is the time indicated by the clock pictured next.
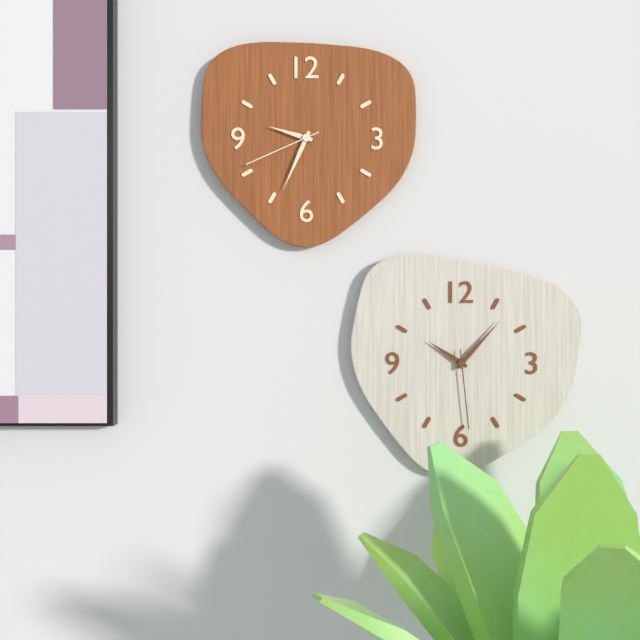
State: 9:34:41
